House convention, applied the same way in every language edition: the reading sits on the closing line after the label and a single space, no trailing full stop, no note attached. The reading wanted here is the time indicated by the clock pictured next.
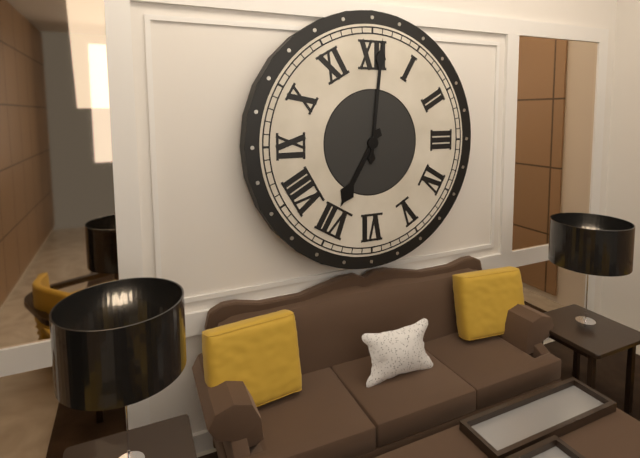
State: 7:01
